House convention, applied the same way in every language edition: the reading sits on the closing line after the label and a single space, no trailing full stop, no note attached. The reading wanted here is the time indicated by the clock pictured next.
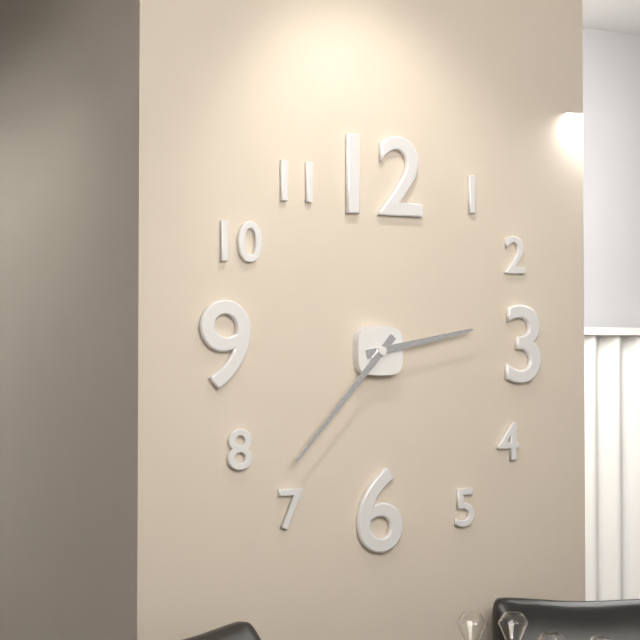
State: 2:37
